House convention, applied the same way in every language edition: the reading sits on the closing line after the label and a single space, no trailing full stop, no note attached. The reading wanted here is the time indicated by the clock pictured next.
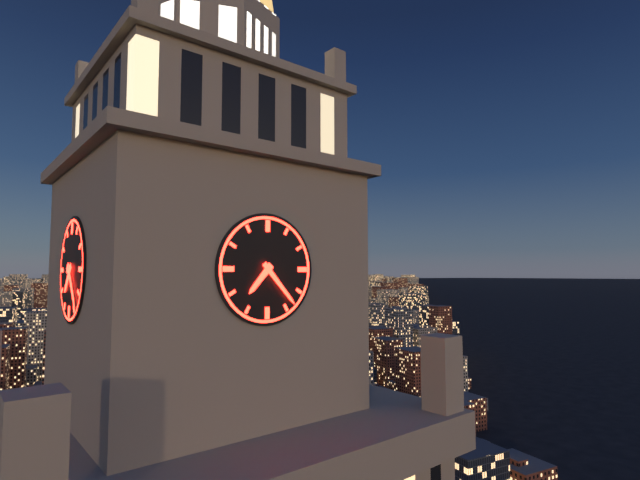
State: 7:23
